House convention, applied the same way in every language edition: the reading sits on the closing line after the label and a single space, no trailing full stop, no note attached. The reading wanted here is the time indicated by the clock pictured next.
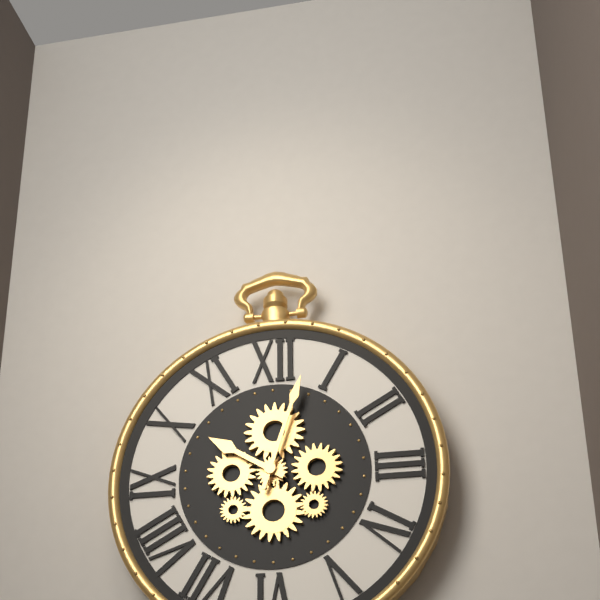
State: 10:03
